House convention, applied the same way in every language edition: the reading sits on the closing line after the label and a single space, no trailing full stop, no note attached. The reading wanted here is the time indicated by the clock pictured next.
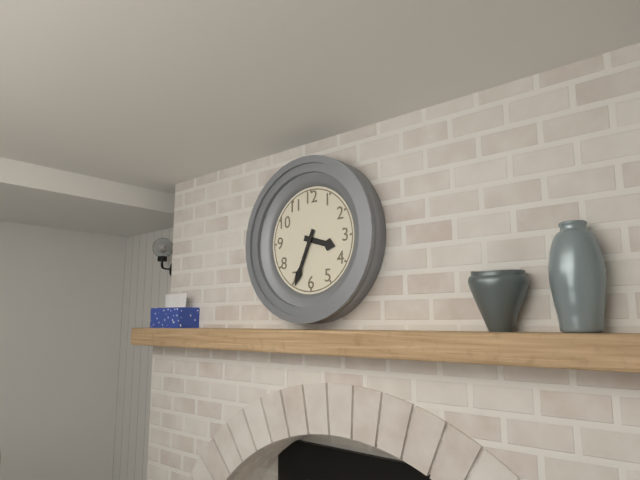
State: 3:34
